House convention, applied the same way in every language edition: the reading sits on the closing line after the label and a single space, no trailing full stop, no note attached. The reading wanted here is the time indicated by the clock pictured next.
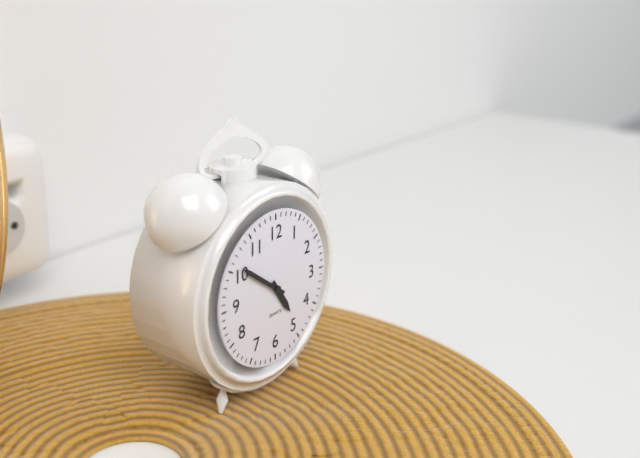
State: 4:51
